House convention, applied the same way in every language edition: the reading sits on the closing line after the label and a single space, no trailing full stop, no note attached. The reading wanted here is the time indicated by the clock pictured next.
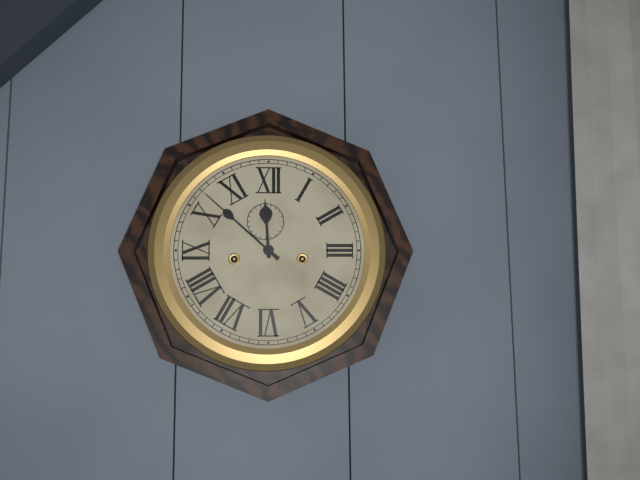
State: 11:52
